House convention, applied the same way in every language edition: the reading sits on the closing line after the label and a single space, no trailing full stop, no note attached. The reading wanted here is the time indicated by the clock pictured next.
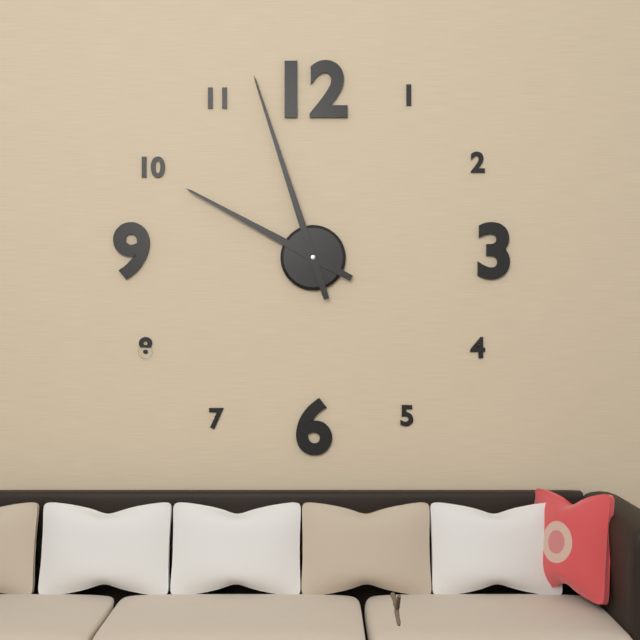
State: 9:57
